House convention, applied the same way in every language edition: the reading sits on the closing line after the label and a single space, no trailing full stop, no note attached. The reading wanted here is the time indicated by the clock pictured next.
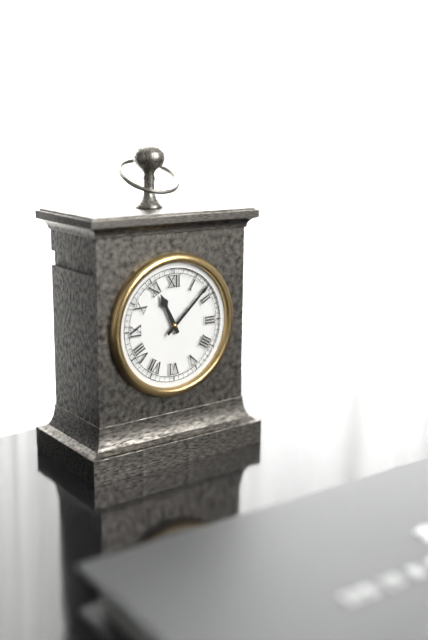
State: 11:08
